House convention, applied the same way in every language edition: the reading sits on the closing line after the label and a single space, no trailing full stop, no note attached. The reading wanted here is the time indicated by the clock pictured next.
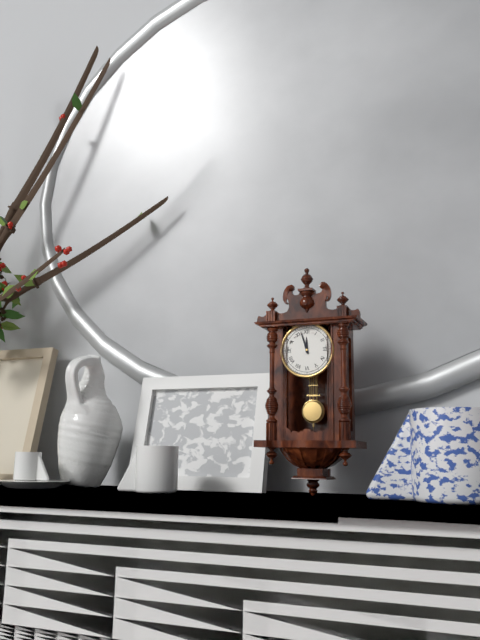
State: 11:57
